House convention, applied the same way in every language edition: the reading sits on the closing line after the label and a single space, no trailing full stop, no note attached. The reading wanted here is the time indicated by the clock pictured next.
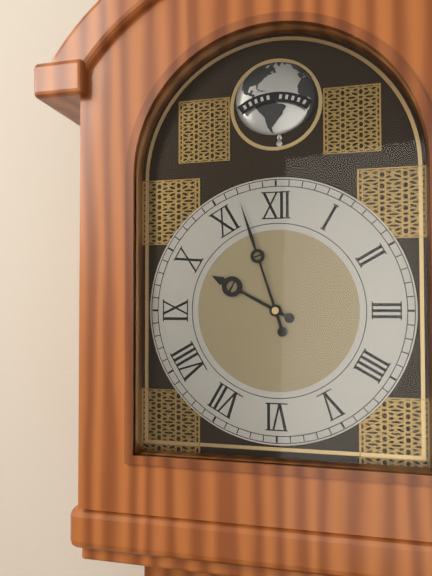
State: 9:57
